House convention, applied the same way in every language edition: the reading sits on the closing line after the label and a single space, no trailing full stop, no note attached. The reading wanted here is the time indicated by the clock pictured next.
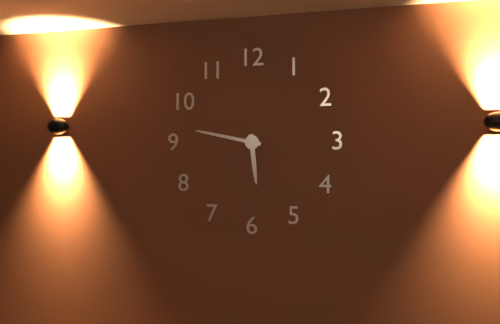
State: 5:47
